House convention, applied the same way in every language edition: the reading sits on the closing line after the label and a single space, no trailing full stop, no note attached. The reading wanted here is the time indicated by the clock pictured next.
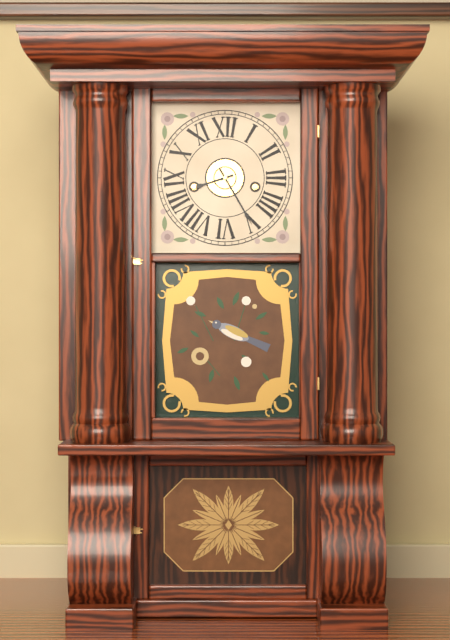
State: 8:25
